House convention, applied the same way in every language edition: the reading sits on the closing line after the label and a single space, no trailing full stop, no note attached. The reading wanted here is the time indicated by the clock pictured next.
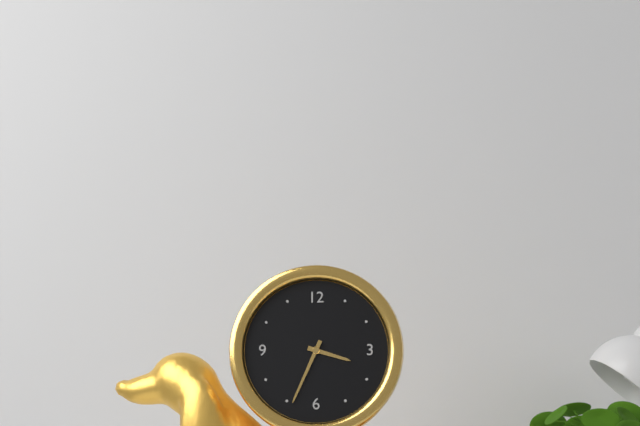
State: 3:34
